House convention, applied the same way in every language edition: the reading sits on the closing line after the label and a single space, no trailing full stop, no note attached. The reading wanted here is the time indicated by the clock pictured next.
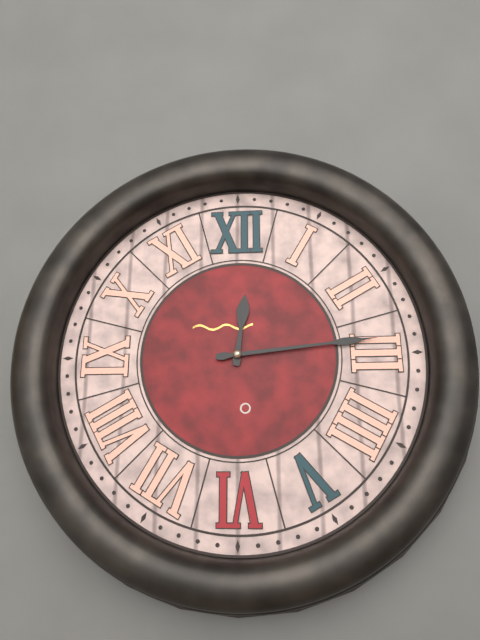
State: 12:14
